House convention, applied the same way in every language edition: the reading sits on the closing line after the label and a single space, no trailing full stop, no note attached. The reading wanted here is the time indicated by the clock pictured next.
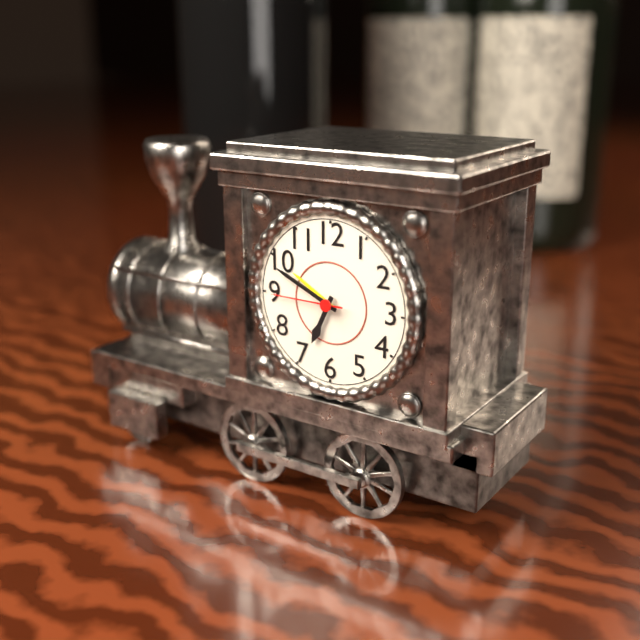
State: 6:49:45
